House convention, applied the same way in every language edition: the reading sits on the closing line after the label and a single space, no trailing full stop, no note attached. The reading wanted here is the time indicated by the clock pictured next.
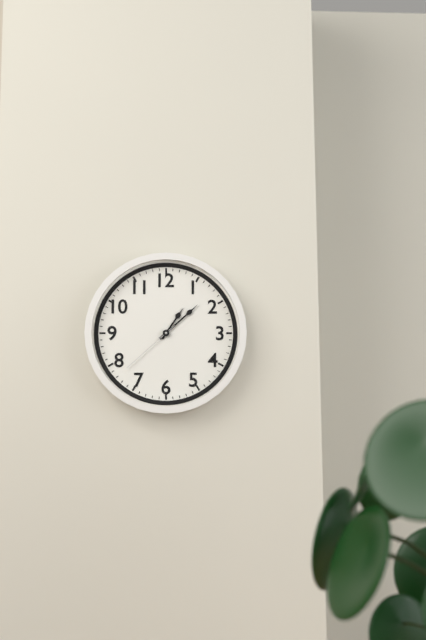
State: 1:08:38
